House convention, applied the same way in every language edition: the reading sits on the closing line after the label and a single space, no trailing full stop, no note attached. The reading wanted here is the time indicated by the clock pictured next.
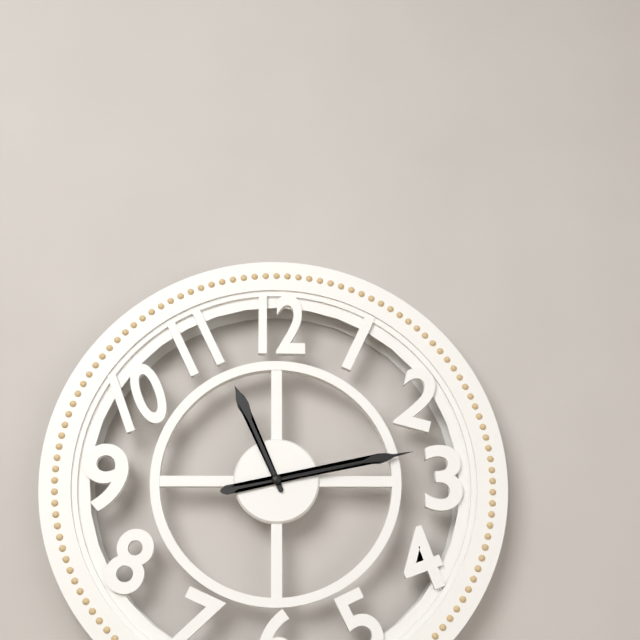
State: 11:13
